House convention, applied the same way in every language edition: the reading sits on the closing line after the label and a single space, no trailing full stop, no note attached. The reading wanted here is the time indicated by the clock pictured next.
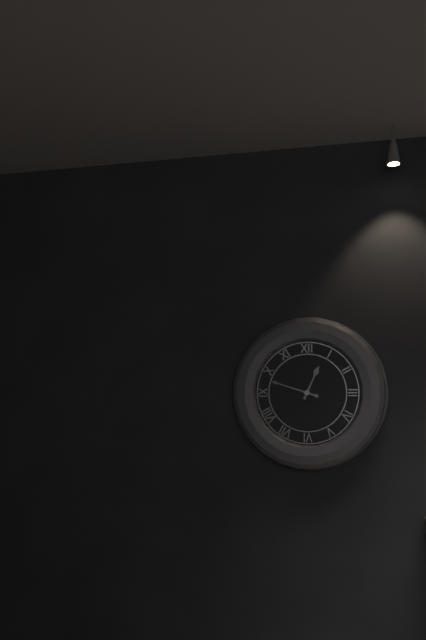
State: 12:48
